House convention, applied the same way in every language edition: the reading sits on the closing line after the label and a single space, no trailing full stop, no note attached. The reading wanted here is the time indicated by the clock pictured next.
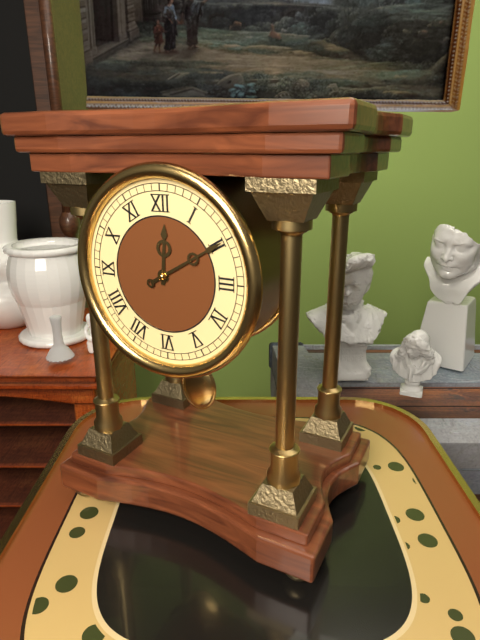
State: 12:10
